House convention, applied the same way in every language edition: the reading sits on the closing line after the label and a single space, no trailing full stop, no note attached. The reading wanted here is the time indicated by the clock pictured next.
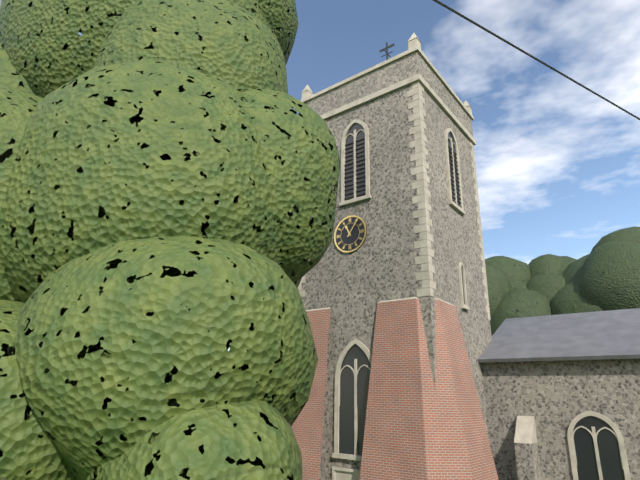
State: 11:06
